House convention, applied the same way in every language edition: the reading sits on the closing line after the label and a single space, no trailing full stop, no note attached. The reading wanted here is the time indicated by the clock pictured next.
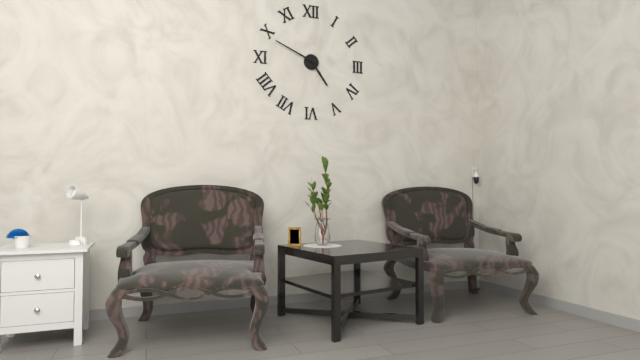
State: 4:49
